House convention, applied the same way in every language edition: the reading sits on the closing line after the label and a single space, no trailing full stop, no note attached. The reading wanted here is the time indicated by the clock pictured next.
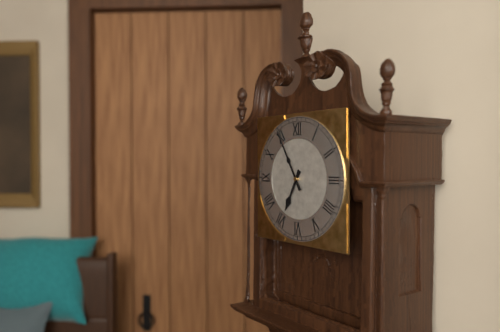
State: 6:55
